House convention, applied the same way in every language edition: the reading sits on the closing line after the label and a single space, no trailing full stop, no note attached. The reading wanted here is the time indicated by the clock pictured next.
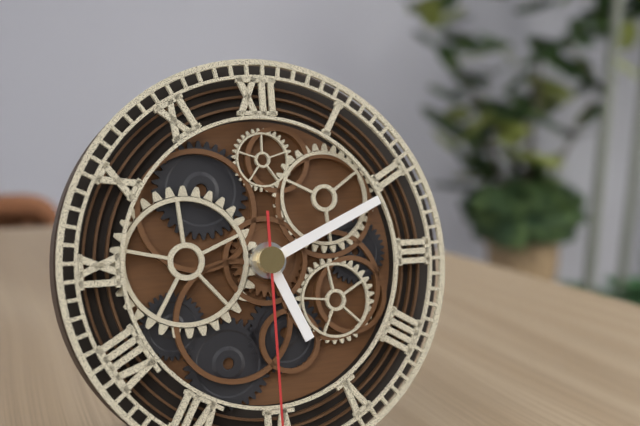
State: 5:11
